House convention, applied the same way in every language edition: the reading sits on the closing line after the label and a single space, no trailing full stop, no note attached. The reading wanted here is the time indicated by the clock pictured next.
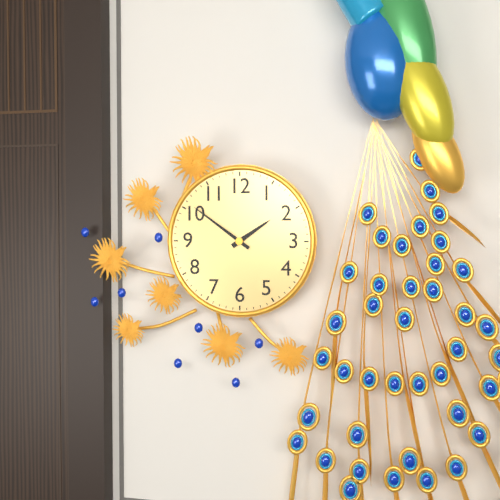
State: 1:51
